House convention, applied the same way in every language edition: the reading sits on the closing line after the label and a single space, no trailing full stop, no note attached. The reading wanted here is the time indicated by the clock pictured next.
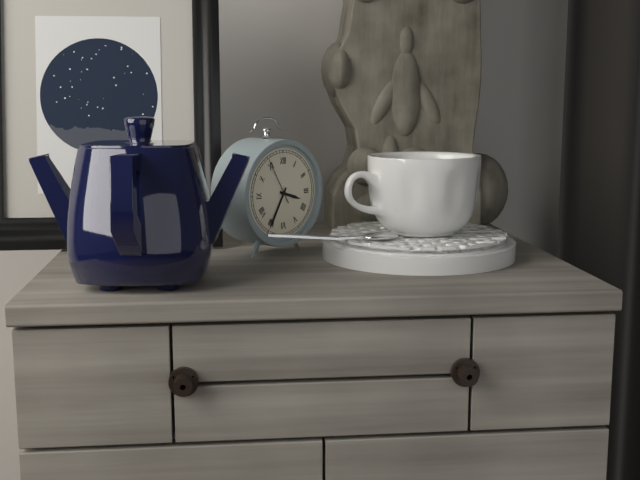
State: 3:35
